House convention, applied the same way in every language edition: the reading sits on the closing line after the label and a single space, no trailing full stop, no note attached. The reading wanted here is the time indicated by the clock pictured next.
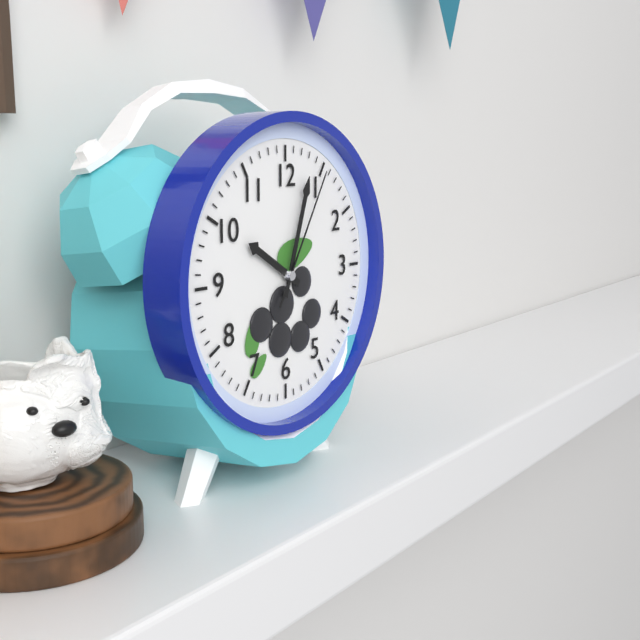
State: 10:03:05
